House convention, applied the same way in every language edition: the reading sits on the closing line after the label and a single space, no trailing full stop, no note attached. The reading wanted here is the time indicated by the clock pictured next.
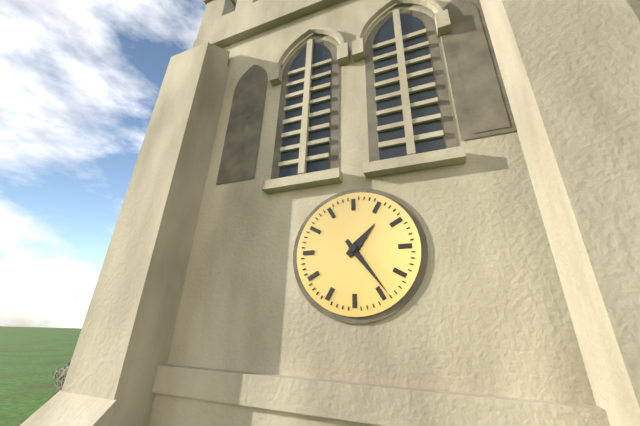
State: 1:24
